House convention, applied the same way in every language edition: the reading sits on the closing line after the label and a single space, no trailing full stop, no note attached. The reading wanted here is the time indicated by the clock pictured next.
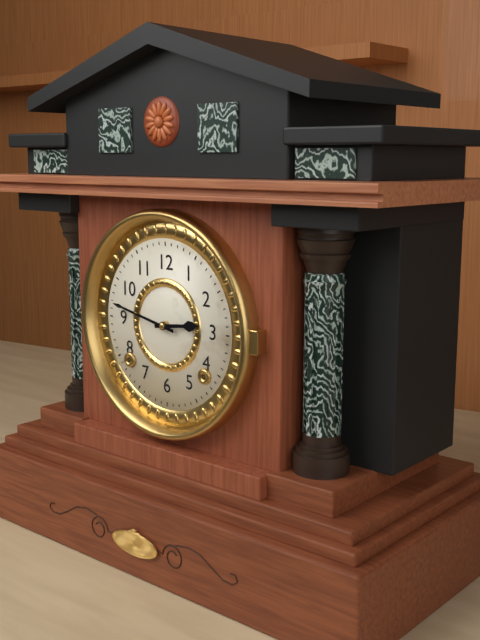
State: 2:47
